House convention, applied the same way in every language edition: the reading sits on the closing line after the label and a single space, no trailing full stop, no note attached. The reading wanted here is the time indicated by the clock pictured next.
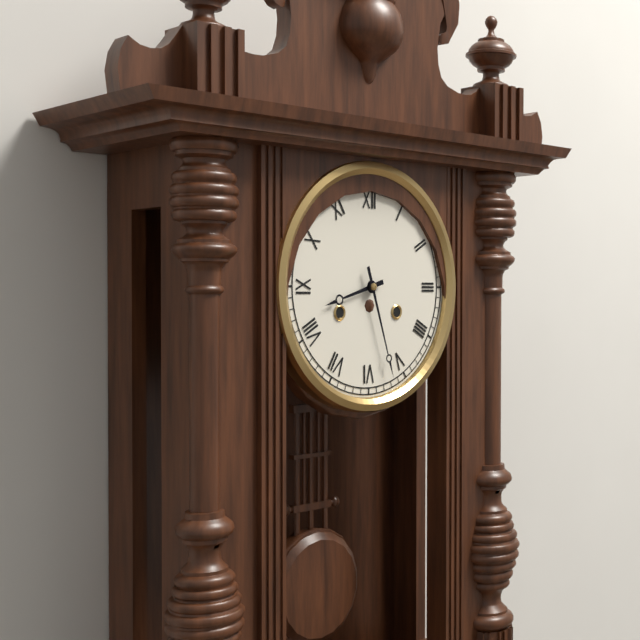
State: 8:27
